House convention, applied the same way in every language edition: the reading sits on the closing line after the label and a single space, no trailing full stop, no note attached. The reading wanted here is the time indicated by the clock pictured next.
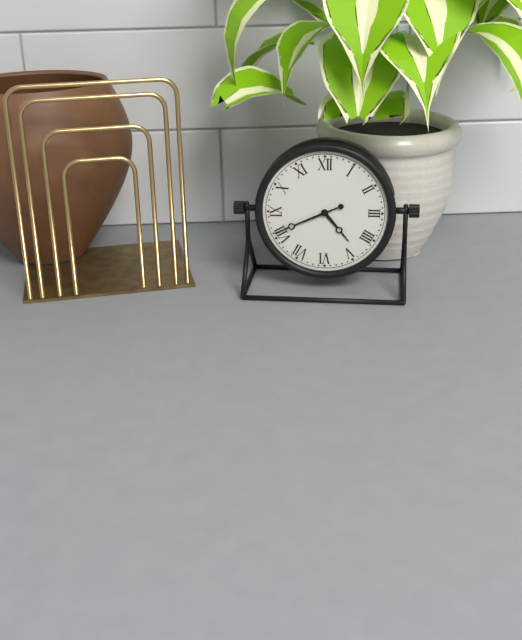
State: 4:41
